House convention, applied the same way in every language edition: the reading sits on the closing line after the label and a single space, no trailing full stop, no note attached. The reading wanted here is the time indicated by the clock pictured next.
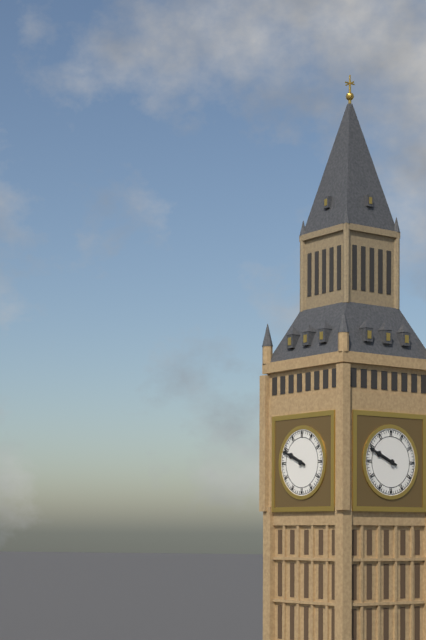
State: 9:49
